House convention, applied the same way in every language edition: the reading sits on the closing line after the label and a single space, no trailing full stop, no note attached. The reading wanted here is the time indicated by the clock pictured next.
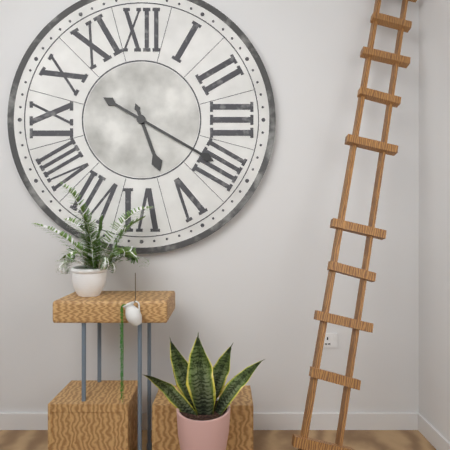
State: 5:20
